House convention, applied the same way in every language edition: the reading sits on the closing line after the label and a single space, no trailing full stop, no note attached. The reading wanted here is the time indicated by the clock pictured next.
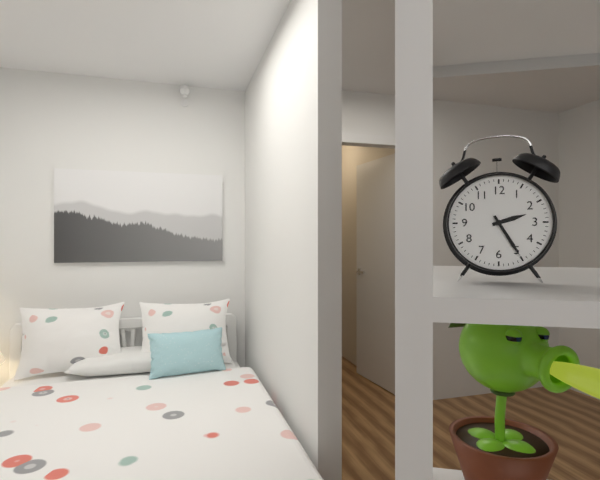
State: 2:25
